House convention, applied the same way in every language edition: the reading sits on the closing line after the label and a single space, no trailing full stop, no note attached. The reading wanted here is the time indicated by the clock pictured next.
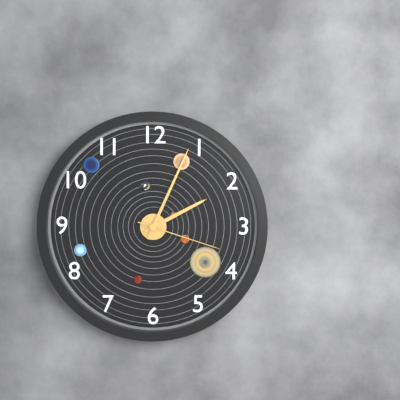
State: 2:04:18
